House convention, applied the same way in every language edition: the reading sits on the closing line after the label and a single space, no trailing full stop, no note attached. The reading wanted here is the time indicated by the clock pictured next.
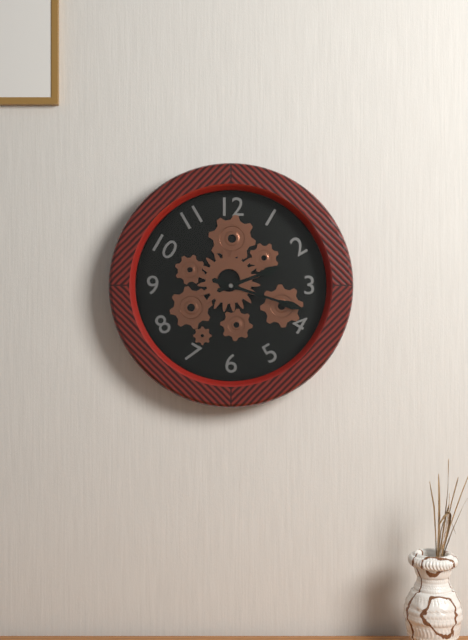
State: 2:18
